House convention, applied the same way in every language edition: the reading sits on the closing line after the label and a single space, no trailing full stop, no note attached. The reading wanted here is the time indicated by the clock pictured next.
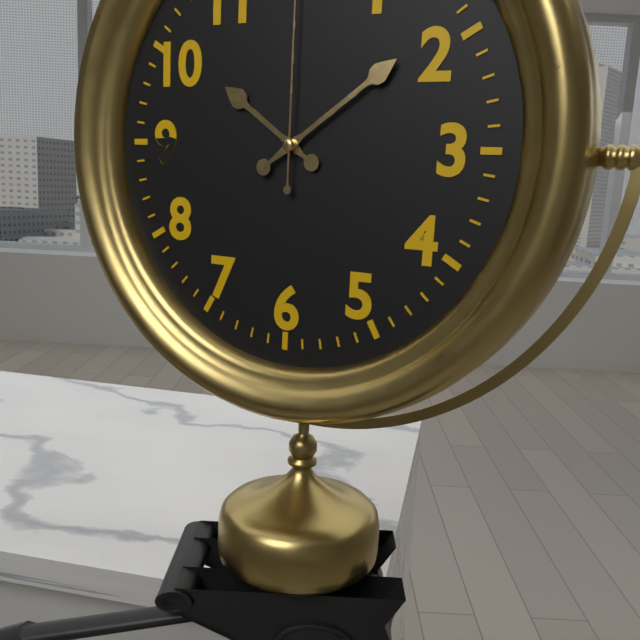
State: 10:09
